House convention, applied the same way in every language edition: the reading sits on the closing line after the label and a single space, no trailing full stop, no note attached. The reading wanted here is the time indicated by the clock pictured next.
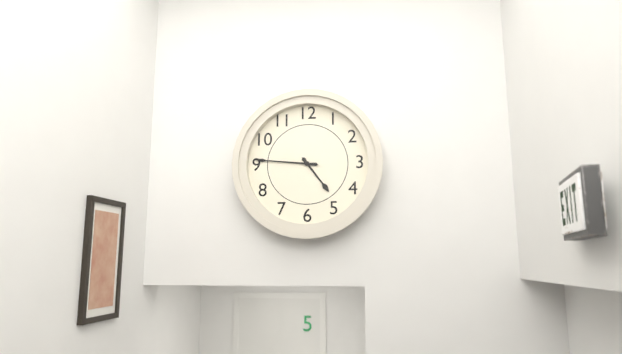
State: 4:46
